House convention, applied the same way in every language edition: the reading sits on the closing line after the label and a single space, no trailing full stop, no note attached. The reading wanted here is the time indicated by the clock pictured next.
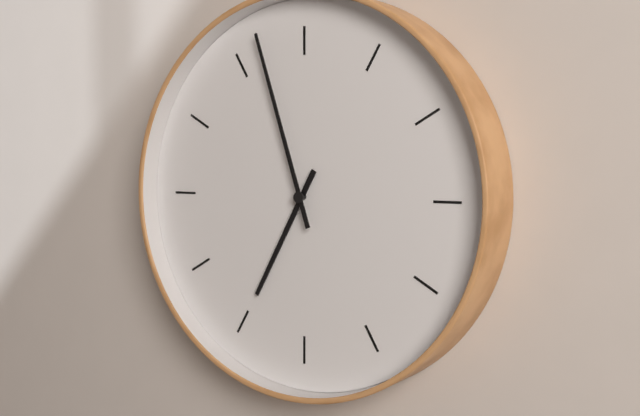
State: 6:57
